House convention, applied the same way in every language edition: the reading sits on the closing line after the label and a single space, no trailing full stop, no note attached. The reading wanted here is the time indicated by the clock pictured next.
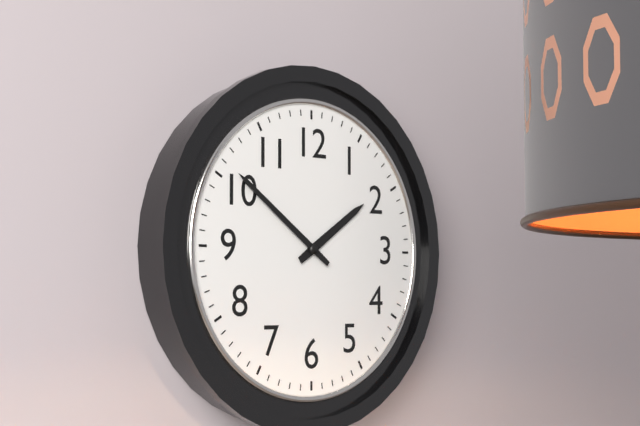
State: 1:51
